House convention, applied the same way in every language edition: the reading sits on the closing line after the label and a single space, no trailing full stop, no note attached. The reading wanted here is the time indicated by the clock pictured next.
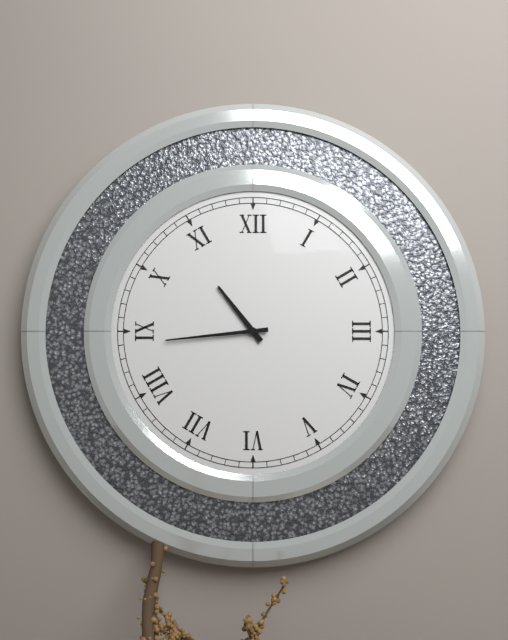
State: 10:44
